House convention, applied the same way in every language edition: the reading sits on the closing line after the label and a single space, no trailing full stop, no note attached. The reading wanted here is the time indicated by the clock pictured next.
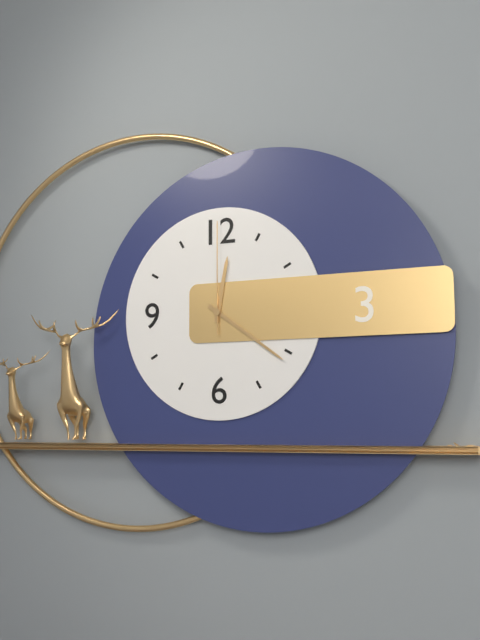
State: 12:21:00
